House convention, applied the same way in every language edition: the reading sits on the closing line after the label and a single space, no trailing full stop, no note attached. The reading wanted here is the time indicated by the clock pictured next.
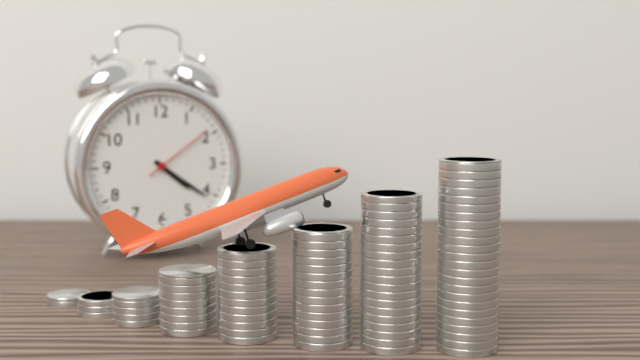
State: 4:21:09
